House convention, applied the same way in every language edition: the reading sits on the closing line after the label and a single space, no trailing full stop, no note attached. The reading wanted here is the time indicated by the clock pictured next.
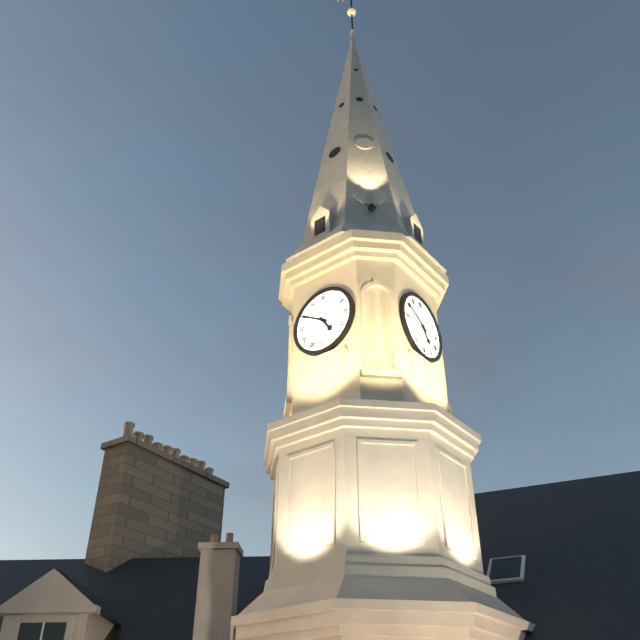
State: 4:50
